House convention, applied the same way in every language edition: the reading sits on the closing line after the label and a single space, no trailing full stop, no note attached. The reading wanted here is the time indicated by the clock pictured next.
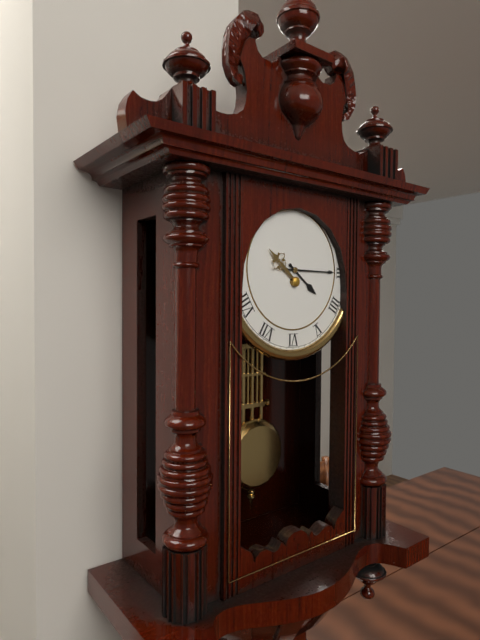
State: 4:15
